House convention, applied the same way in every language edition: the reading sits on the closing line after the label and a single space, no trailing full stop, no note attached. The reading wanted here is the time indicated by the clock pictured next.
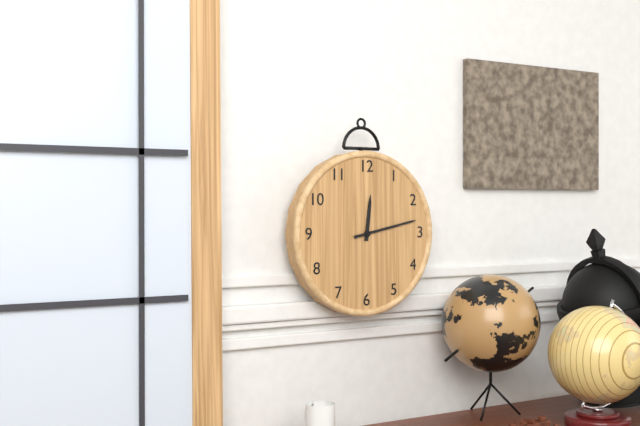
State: 12:13
